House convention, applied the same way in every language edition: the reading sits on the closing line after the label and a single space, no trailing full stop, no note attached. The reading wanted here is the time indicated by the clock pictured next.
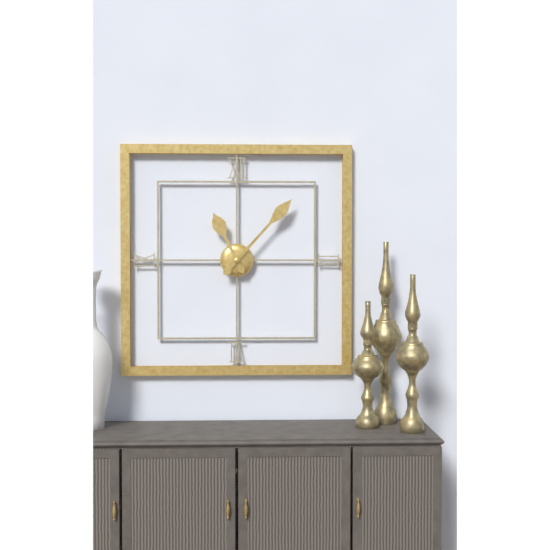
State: 11:07
